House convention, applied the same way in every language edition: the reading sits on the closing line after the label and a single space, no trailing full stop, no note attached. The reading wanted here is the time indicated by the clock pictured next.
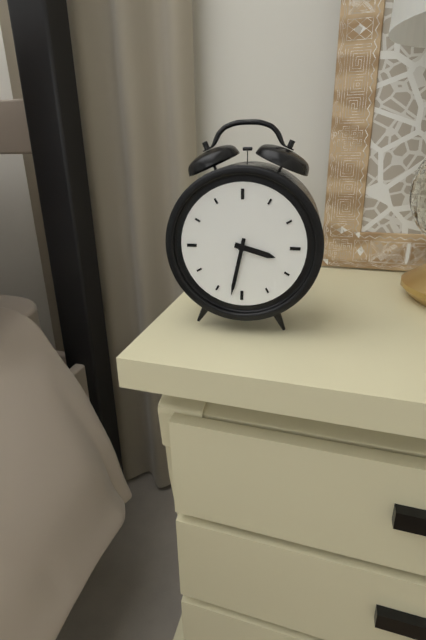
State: 3:32
